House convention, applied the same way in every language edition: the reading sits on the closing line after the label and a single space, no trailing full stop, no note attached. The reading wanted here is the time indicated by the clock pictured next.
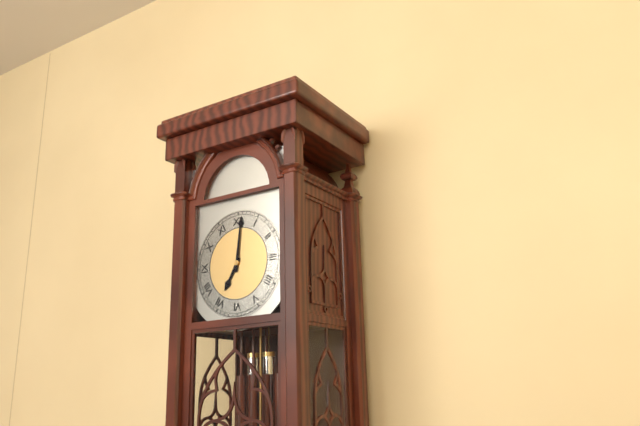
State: 7:01
